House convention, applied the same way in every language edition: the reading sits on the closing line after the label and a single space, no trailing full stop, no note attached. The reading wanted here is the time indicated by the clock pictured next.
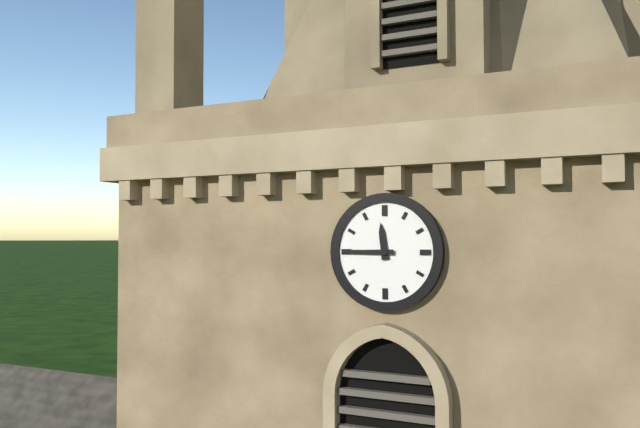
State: 11:45
